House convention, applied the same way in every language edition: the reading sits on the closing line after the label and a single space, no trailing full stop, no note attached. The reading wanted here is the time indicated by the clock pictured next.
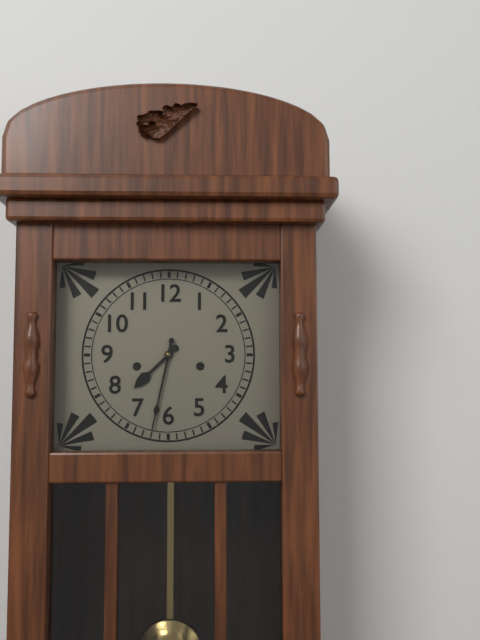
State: 7:32
